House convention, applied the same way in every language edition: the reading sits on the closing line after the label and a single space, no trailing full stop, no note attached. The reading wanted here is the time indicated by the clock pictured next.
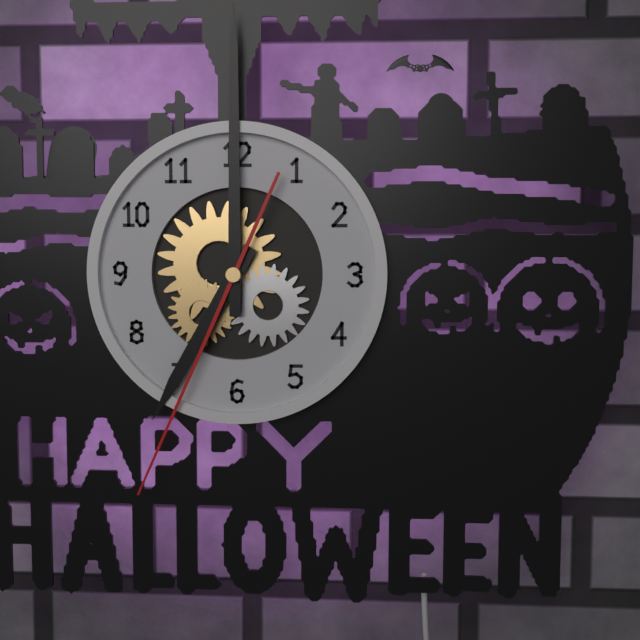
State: 7:00:34
